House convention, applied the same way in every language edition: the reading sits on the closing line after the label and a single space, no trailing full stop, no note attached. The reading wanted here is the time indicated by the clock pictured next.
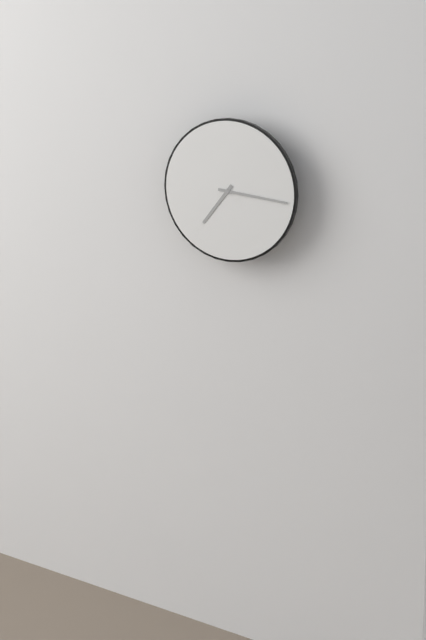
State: 7:16
